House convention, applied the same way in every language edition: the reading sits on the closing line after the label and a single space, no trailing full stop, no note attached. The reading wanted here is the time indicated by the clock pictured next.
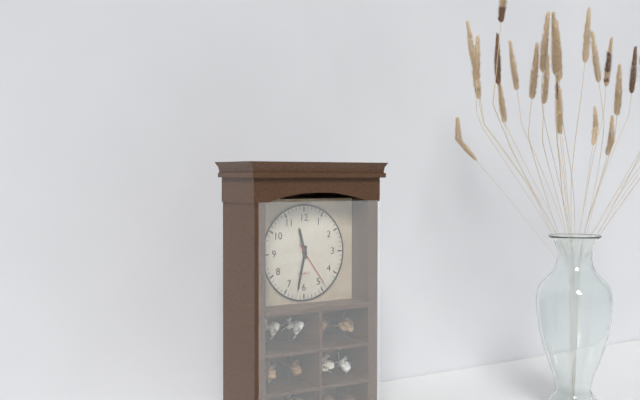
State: 11:32
